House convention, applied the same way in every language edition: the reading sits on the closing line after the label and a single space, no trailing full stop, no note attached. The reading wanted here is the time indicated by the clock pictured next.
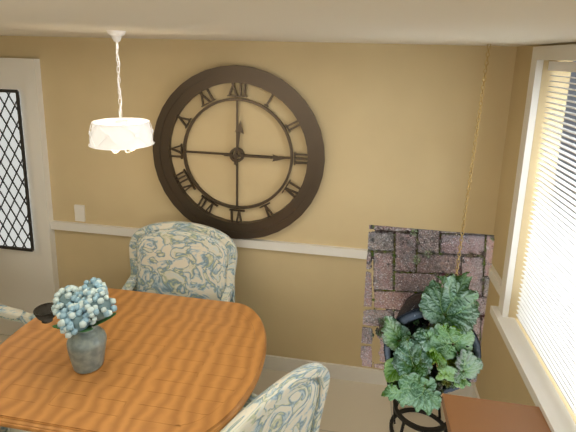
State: 12:15
